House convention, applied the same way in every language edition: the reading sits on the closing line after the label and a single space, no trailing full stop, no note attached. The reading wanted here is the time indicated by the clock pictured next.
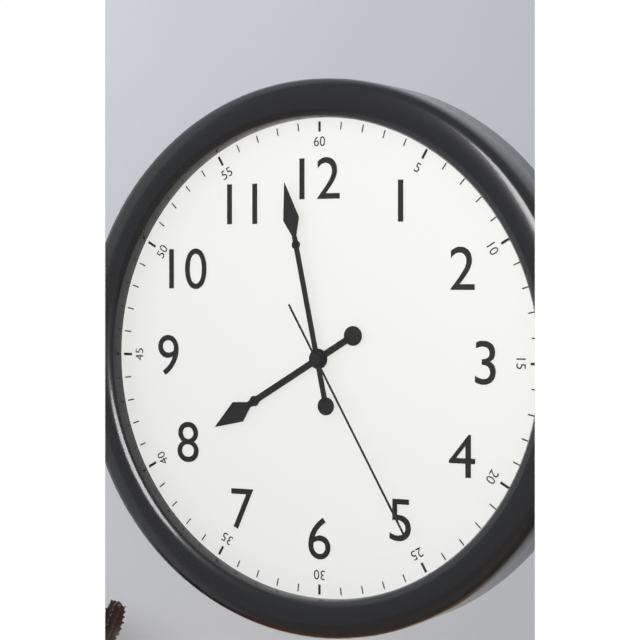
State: 7:58:25
